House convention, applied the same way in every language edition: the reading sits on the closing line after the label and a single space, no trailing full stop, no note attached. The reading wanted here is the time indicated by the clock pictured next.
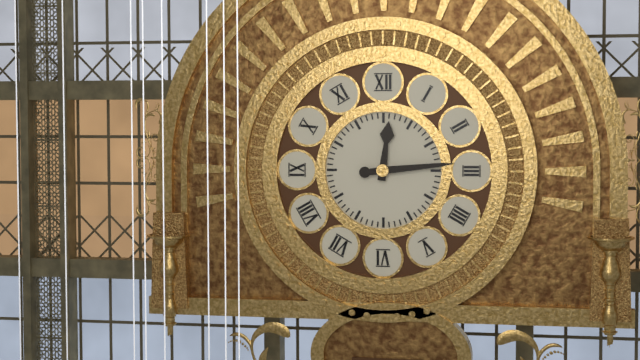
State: 12:14
